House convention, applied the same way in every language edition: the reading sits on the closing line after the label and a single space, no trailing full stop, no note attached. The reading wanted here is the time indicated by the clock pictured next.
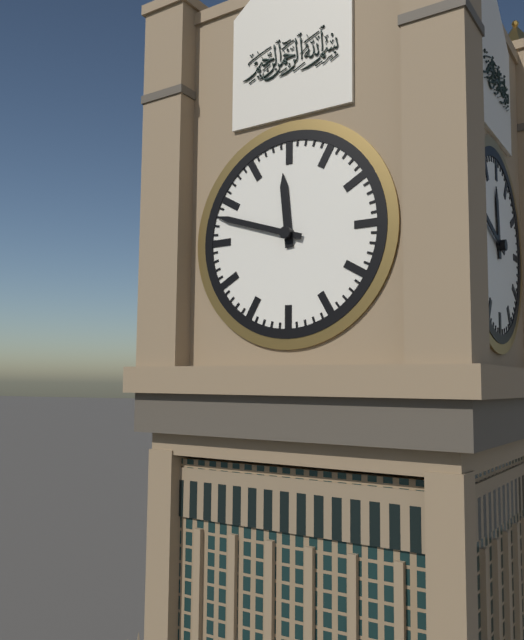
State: 11:48
